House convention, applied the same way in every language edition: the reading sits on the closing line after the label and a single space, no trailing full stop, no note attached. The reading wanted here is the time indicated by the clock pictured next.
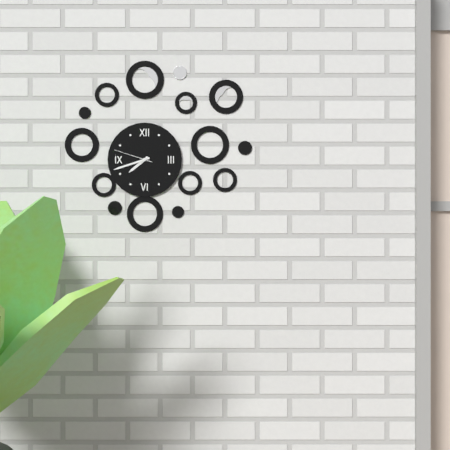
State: 7:42
